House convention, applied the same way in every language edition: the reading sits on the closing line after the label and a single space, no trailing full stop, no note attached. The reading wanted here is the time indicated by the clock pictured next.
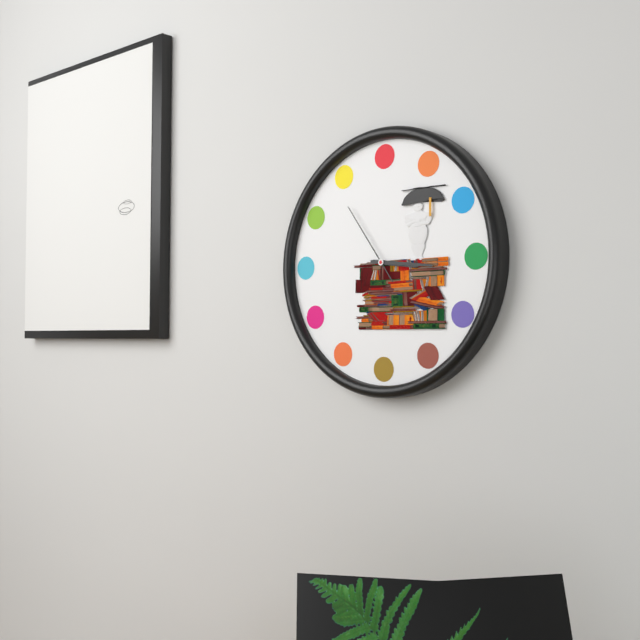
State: 3:16:54
